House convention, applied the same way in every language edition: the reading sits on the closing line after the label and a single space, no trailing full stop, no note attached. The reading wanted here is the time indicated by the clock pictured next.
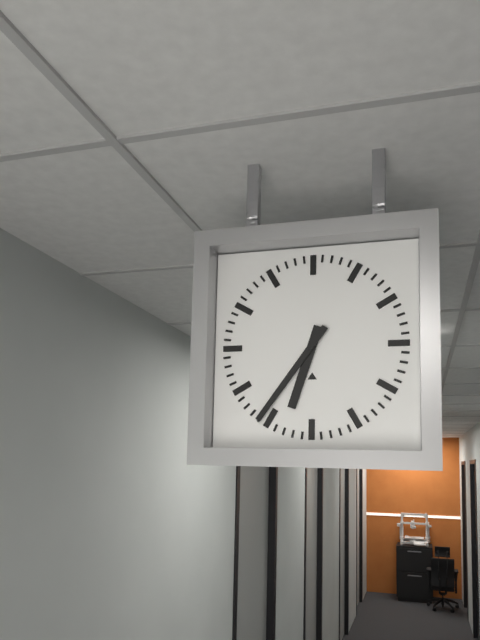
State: 6:36
